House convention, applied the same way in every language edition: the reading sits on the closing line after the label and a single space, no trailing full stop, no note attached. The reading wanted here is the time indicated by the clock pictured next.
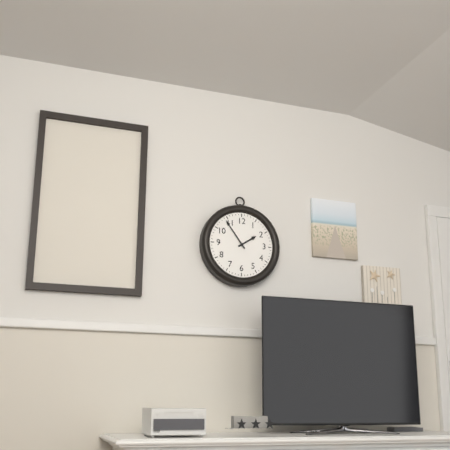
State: 1:54
